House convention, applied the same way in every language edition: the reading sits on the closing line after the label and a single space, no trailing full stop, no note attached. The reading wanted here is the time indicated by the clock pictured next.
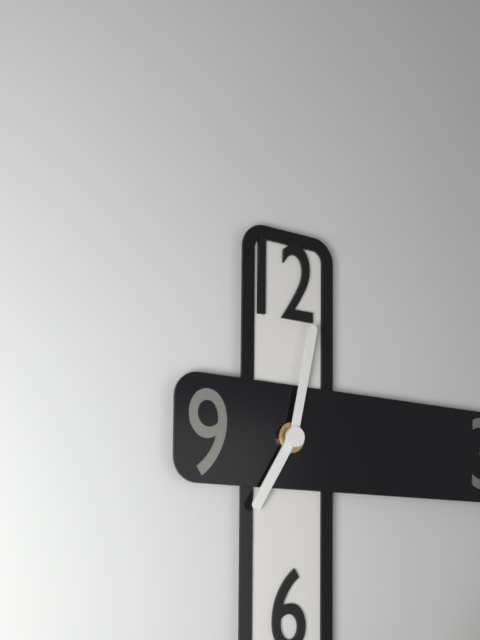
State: 7:02
